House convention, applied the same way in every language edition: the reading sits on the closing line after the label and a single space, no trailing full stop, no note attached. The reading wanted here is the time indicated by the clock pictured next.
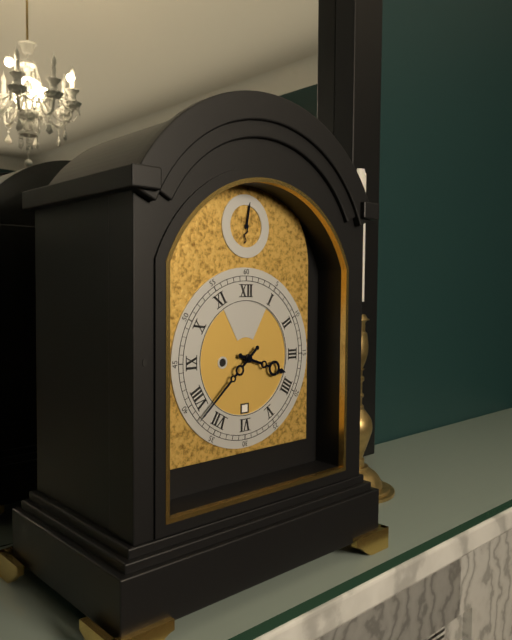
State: 3:38
